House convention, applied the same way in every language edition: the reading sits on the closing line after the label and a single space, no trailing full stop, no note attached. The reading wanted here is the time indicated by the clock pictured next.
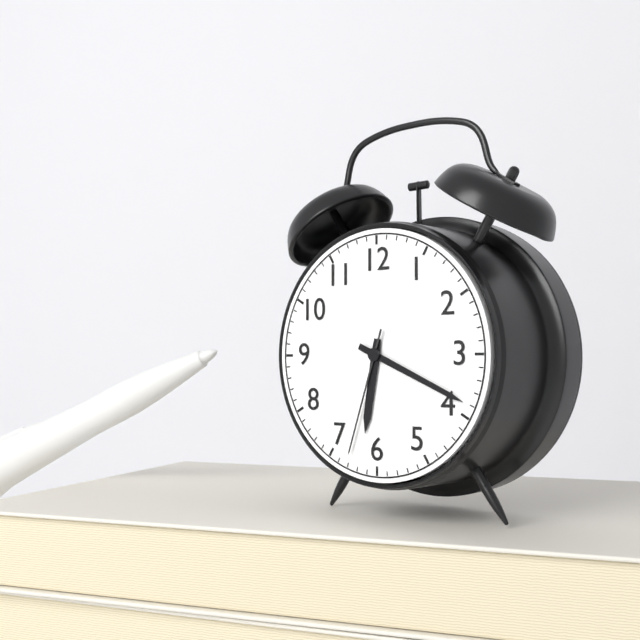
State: 6:19:33
